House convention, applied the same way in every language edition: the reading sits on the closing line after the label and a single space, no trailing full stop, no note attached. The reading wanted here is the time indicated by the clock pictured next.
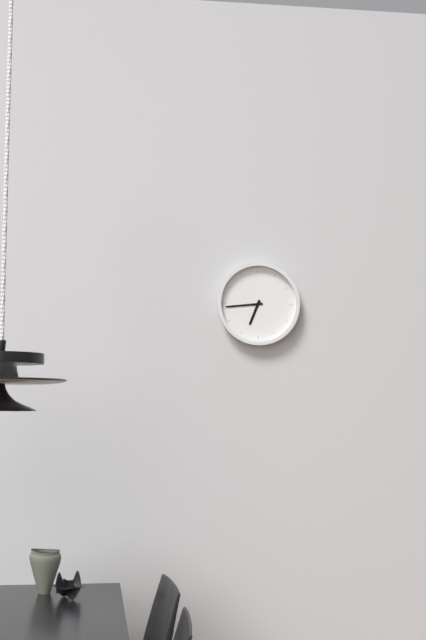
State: 6:44
